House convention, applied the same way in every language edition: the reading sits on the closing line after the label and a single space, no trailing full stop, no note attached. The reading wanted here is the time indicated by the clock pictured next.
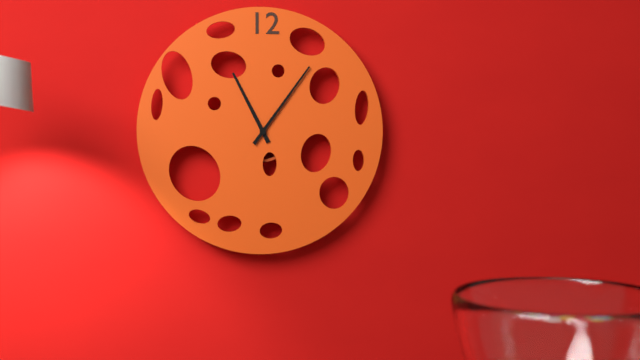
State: 11:06
